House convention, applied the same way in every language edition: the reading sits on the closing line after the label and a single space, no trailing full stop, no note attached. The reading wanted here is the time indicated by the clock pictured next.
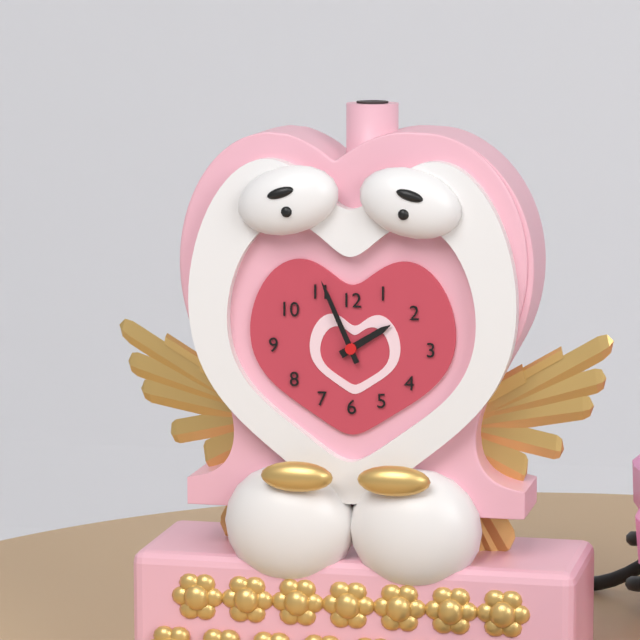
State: 1:56
